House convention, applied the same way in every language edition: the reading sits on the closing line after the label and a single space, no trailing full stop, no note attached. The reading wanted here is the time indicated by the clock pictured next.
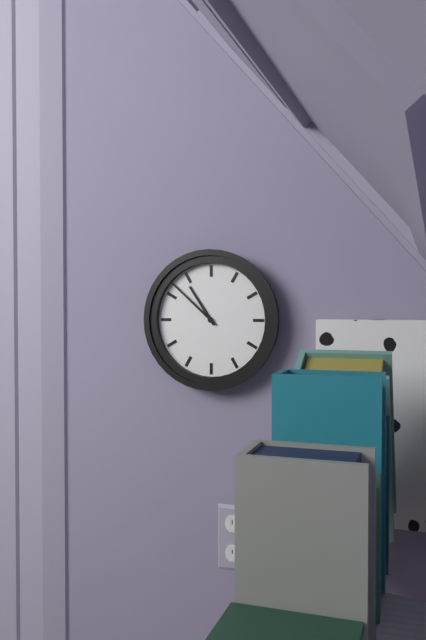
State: 10:52
